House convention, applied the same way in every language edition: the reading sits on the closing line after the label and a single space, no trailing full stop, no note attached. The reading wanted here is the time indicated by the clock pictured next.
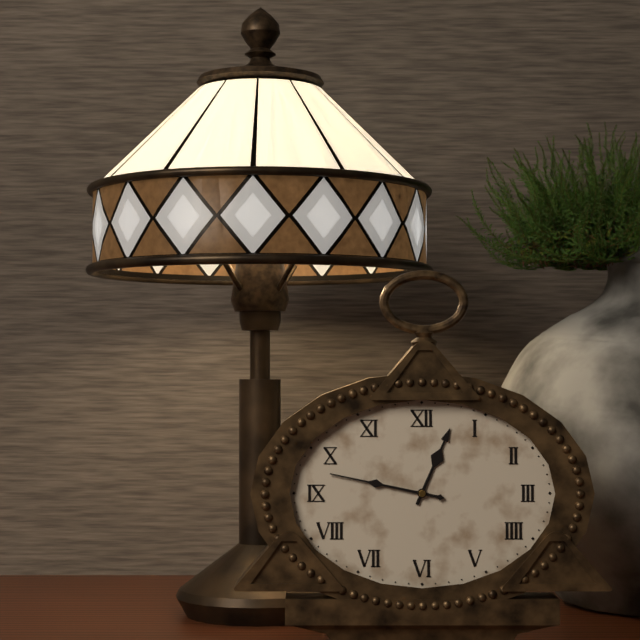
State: 12:47
